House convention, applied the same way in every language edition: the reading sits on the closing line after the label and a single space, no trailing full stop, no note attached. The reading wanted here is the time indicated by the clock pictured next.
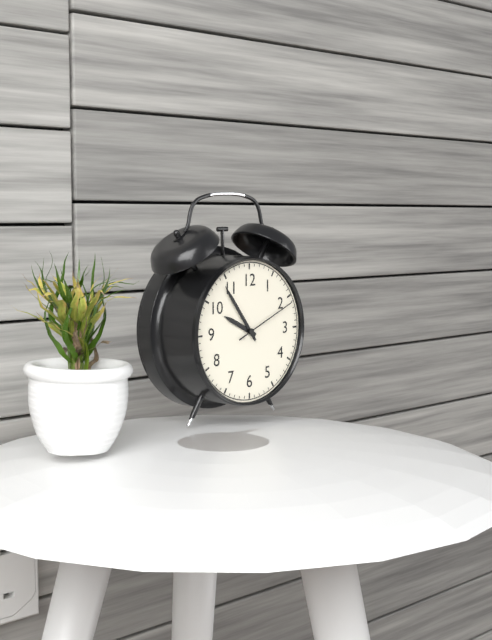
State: 9:54:11
